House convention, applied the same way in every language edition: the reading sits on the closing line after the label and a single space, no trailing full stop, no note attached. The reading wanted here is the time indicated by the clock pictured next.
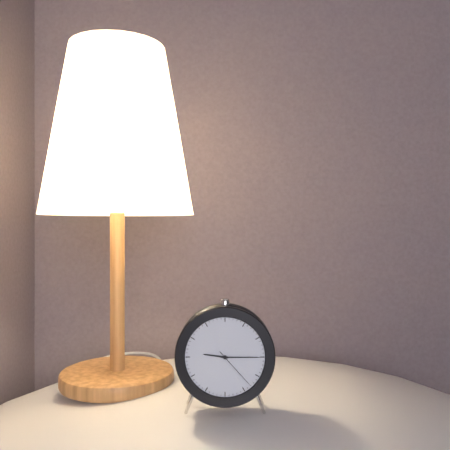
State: 9:15
